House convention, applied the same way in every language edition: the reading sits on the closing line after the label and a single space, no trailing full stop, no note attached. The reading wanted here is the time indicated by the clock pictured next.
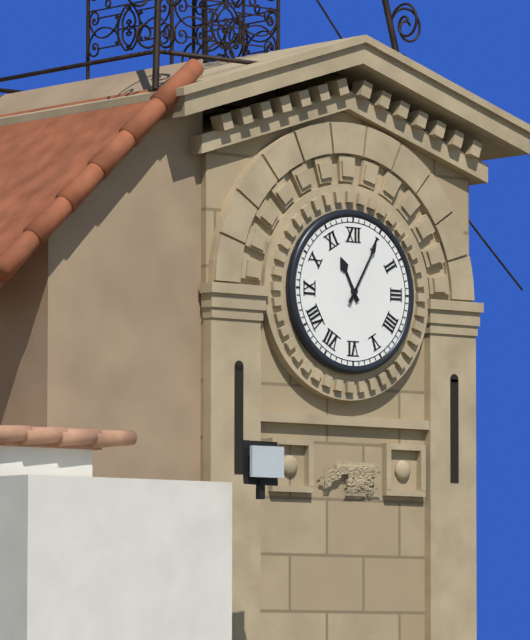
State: 11:05
